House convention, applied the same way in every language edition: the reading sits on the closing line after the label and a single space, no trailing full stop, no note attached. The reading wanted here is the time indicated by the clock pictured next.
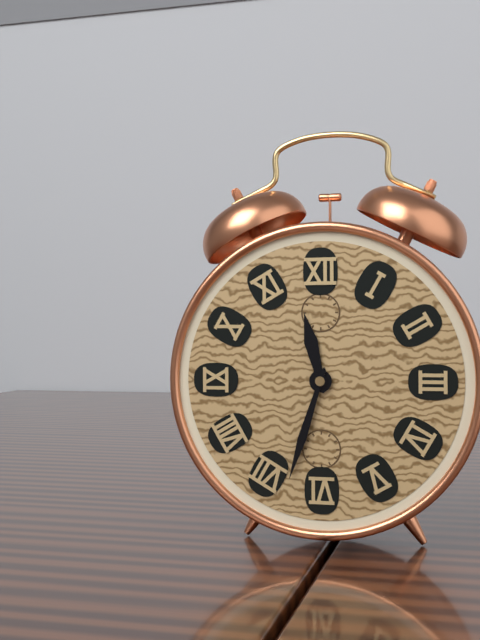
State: 11:33
